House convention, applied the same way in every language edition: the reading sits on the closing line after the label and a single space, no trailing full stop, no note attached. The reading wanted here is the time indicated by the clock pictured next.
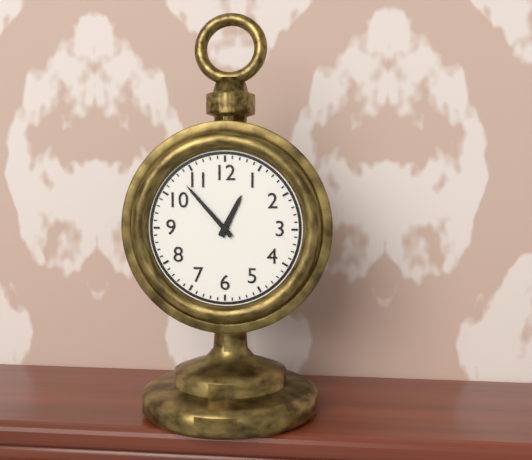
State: 12:53
